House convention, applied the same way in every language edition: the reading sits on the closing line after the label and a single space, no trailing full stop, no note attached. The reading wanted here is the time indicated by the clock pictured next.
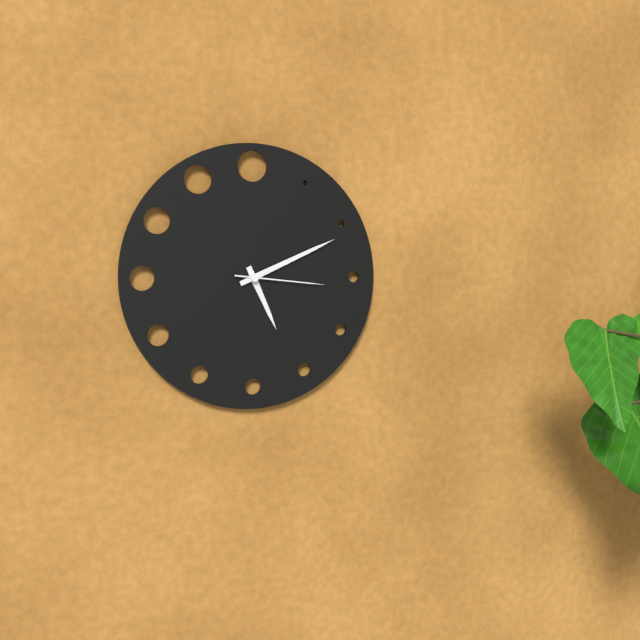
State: 5:11:16
